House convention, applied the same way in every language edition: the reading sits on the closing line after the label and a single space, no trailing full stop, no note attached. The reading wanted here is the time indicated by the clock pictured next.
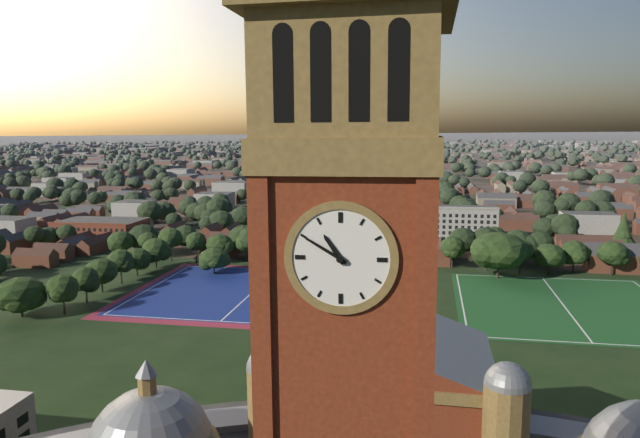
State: 10:50
